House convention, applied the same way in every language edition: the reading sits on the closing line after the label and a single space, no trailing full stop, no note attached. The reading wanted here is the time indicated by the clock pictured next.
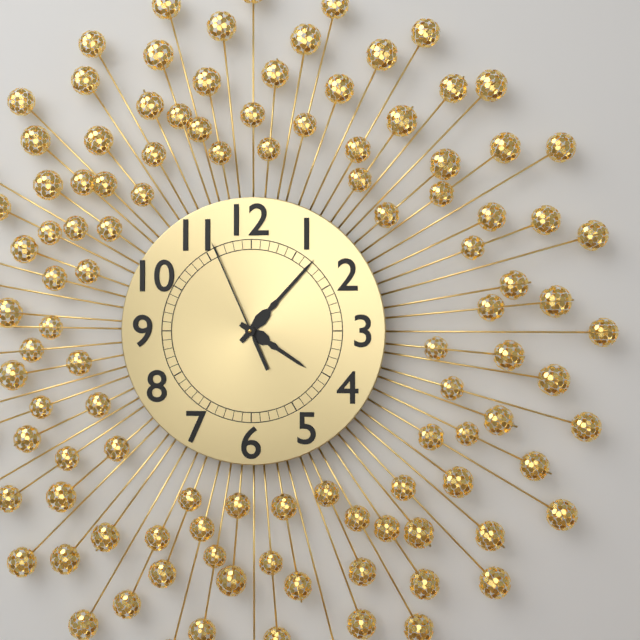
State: 4:07:56
